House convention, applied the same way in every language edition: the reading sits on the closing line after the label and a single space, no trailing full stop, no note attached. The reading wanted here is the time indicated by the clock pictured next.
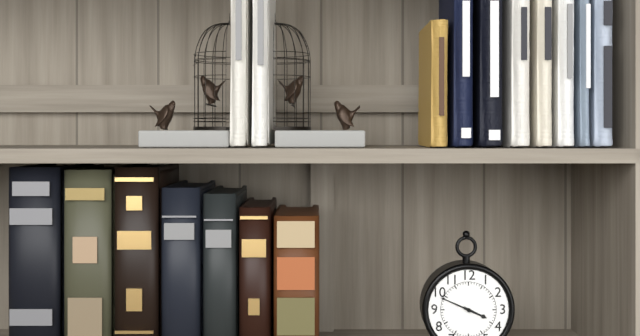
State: 3:49
